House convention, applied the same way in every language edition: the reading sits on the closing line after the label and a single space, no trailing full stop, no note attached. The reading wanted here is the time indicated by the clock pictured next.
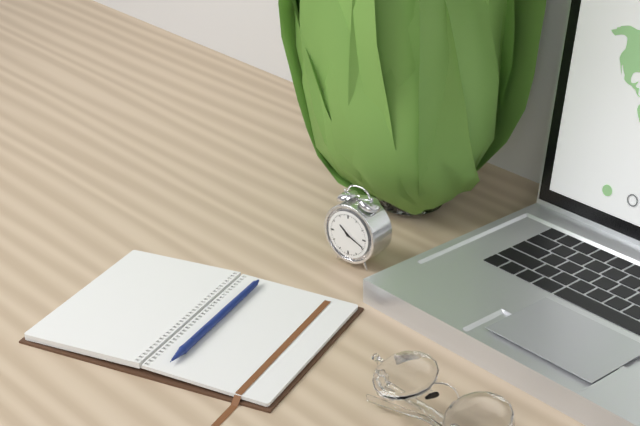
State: 10:19
